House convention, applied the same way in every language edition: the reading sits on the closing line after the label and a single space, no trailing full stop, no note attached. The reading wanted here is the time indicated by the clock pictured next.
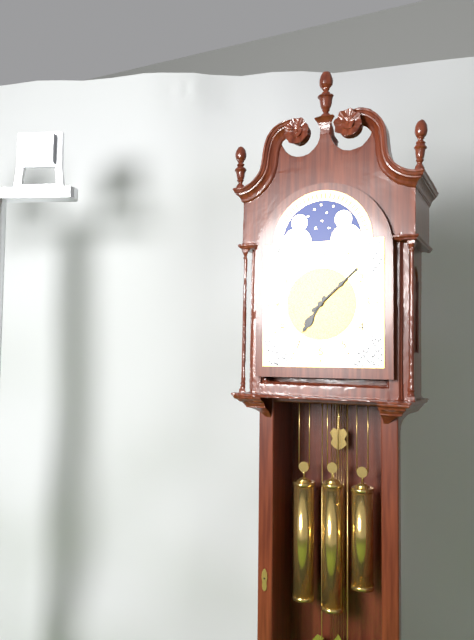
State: 7:08
